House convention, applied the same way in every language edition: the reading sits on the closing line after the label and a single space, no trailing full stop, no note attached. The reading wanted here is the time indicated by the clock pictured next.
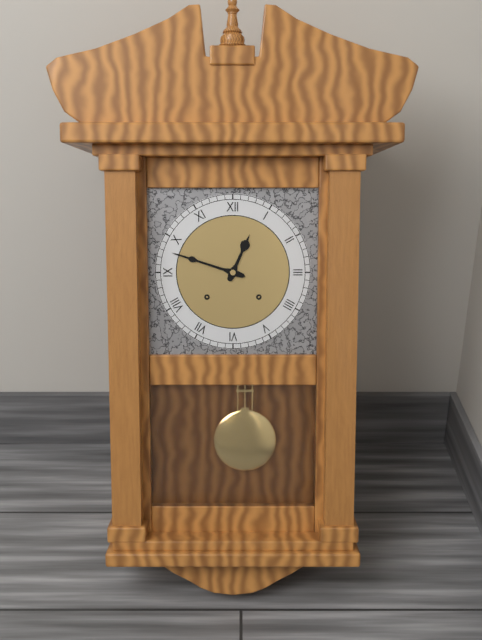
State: 12:48
